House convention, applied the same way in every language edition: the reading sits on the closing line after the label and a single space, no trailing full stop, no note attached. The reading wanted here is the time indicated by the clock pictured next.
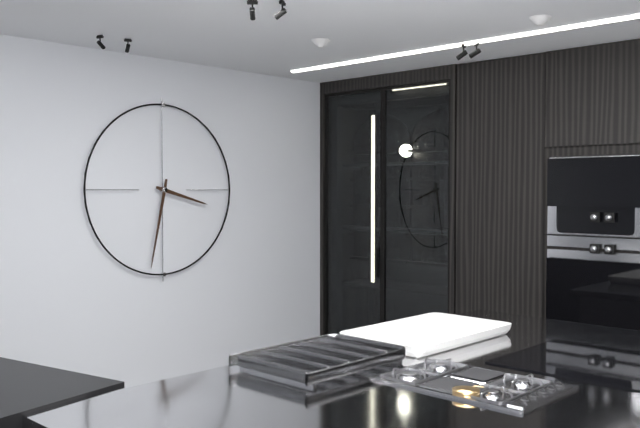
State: 3:32
